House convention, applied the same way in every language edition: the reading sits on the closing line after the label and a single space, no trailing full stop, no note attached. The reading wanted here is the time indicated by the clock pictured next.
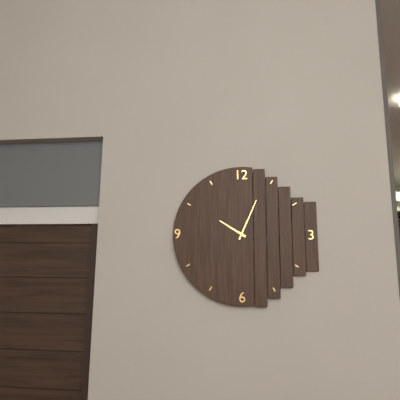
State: 10:04
